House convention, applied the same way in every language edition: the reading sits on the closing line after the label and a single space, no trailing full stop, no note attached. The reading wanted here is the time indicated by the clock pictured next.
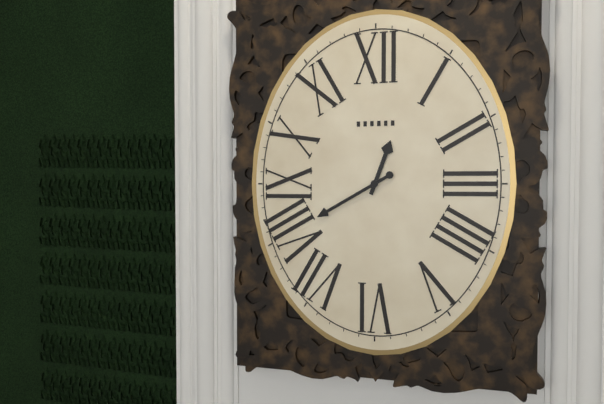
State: 12:40
